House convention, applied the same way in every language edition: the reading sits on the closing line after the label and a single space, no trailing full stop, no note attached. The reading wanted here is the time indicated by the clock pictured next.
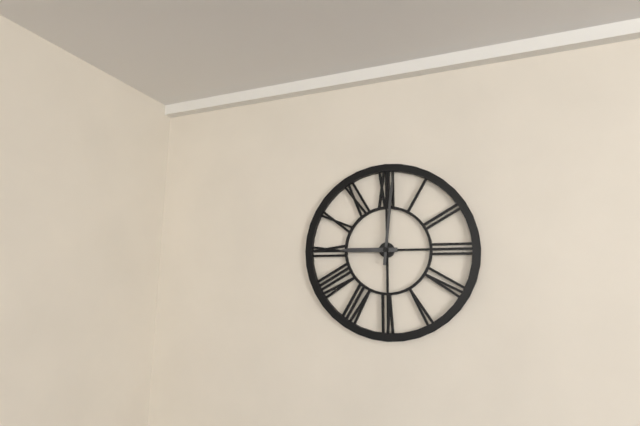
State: 9:01
